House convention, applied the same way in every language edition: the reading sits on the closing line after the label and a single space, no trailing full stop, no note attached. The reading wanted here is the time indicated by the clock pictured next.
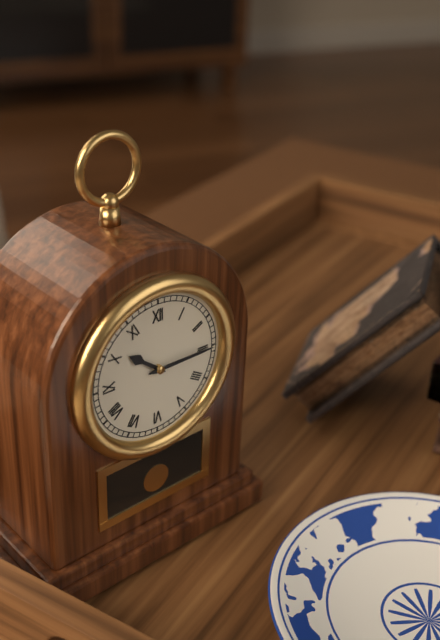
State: 10:15
